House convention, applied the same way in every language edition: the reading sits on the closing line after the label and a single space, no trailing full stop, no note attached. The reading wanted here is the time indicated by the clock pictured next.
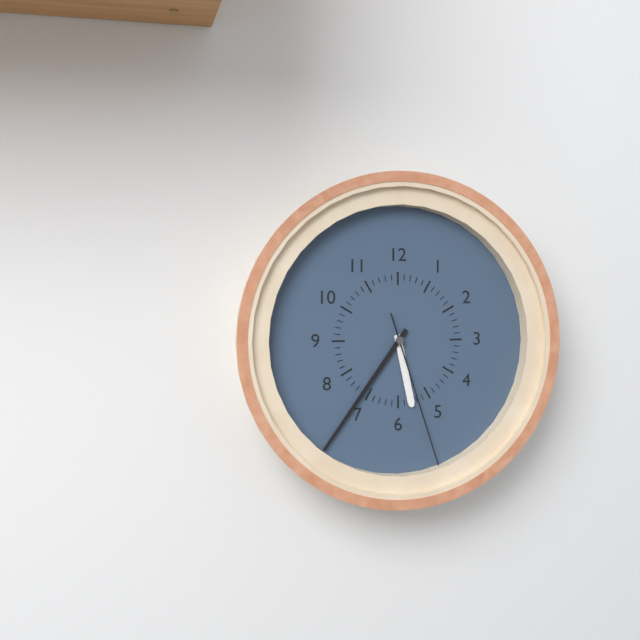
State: 5:36:27
